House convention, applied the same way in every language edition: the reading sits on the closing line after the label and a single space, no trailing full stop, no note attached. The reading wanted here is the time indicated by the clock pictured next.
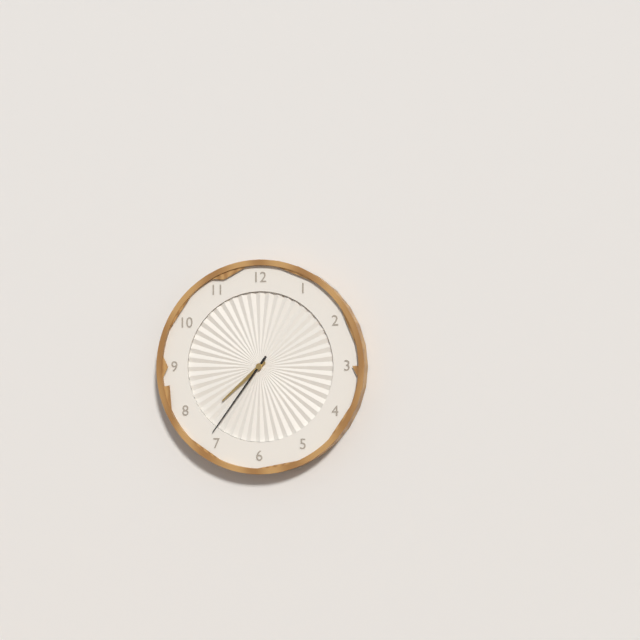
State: 7:36
